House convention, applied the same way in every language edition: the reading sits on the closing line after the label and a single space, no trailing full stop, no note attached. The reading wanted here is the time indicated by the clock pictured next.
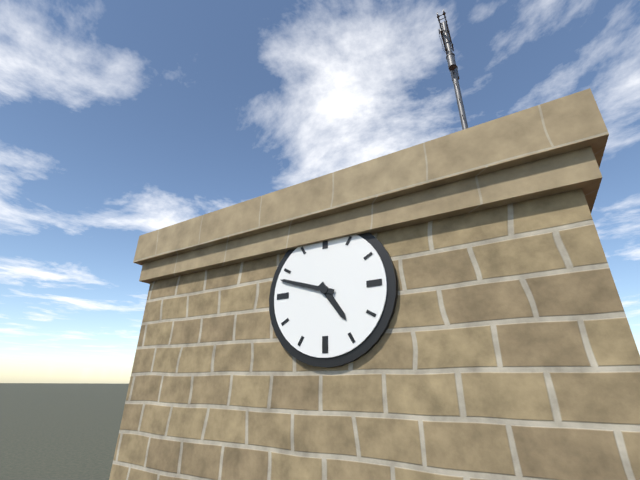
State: 4:48
